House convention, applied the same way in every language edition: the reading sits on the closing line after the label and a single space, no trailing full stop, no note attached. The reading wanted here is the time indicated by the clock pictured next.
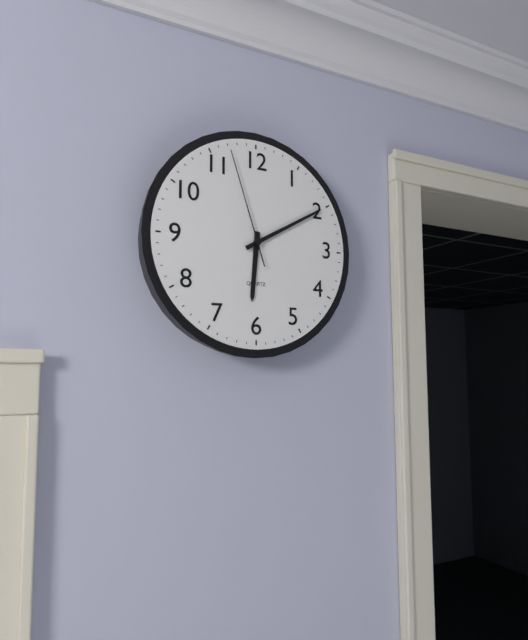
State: 6:10:57
